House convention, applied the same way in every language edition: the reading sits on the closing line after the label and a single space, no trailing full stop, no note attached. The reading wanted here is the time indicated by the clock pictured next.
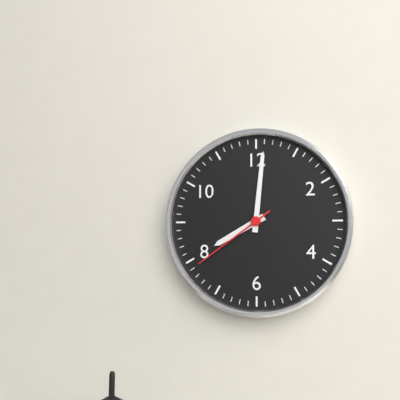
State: 8:01:39
